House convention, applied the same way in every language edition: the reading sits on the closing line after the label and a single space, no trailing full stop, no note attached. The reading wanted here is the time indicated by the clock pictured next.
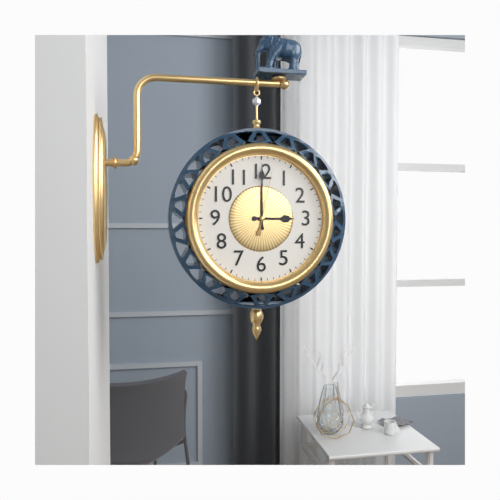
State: 3:00:02
